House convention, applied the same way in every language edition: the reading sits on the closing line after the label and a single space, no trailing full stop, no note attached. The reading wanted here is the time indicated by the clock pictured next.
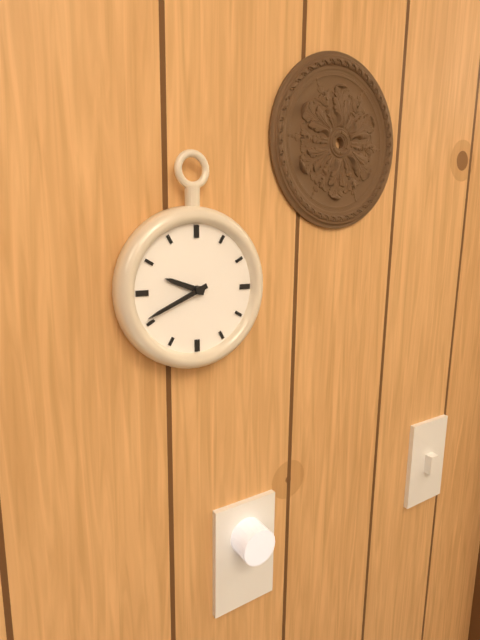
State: 9:41
